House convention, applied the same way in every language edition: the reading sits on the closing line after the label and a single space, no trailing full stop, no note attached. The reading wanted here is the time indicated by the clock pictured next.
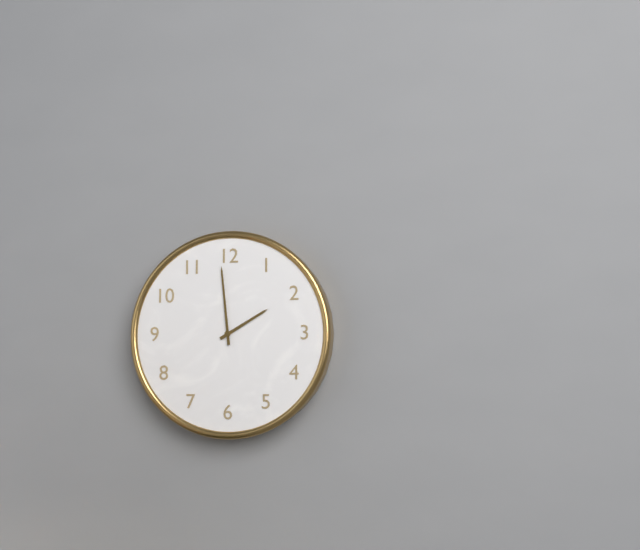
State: 1:59
